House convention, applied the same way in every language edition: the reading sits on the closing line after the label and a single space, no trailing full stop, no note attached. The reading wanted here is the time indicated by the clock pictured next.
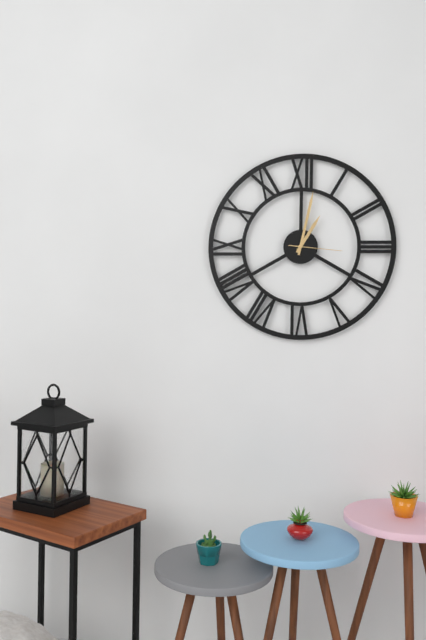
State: 1:02:16
